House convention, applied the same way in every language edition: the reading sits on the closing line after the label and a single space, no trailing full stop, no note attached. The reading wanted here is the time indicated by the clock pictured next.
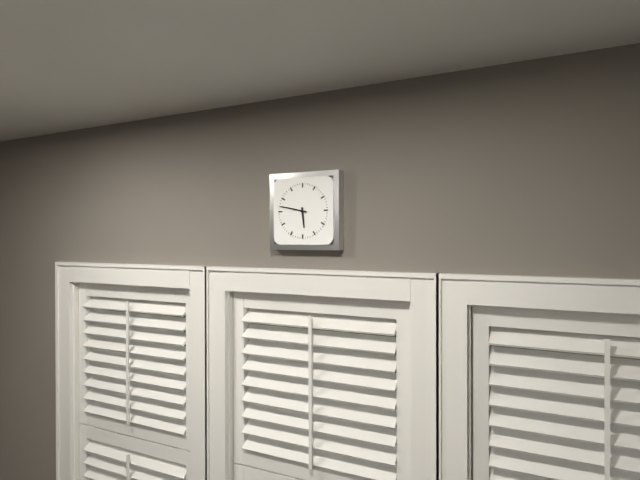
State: 5:47
